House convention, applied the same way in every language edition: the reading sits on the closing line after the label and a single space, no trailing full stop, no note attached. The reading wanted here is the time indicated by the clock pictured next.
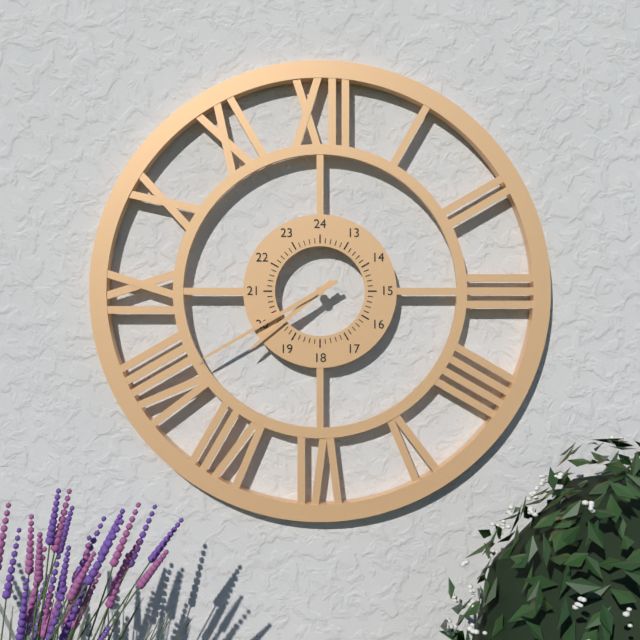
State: 7:40
